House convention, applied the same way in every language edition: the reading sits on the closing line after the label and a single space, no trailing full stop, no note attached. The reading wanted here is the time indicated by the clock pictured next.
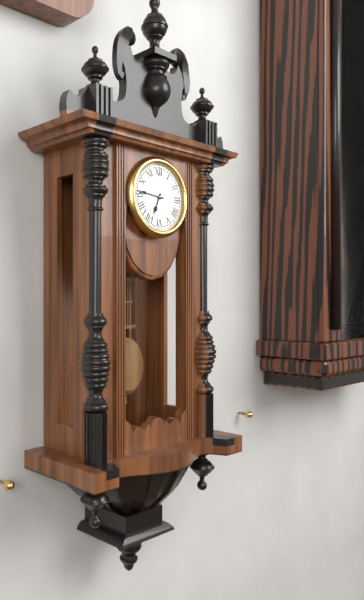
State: 6:46
